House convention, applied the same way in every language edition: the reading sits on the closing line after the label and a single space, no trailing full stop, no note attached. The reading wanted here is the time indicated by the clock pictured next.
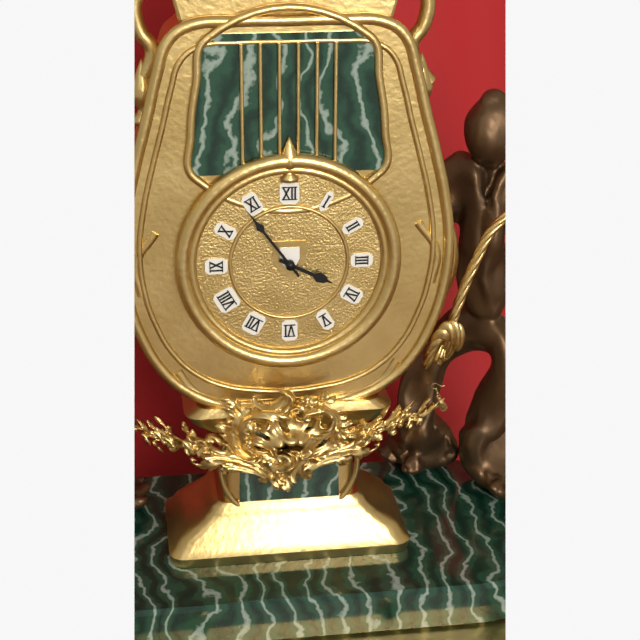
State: 3:54
